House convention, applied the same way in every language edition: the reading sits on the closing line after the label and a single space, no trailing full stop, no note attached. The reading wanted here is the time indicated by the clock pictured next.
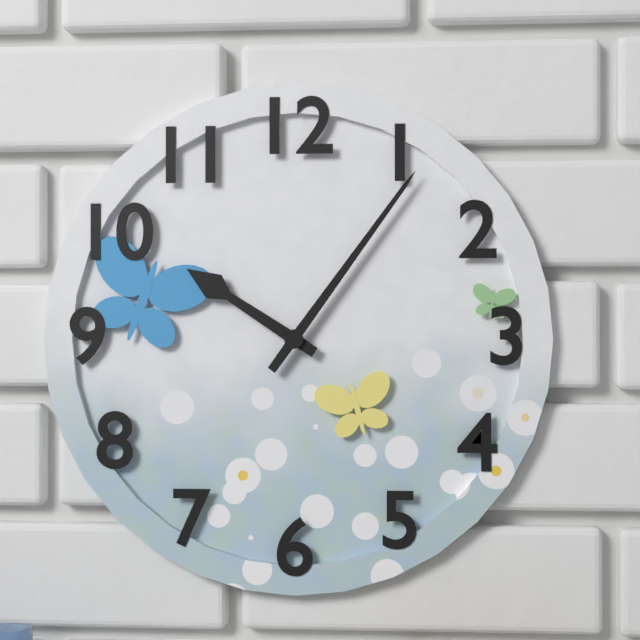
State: 10:06
